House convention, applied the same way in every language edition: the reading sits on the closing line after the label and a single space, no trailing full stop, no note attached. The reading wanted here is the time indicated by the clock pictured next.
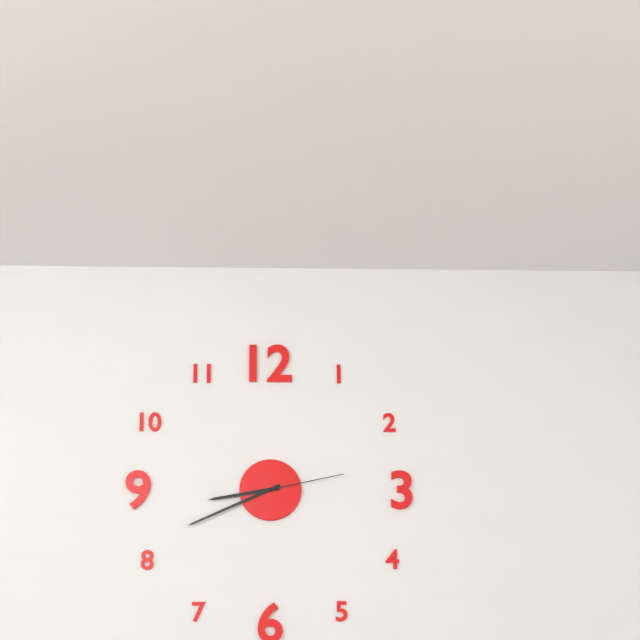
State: 8:41:13
